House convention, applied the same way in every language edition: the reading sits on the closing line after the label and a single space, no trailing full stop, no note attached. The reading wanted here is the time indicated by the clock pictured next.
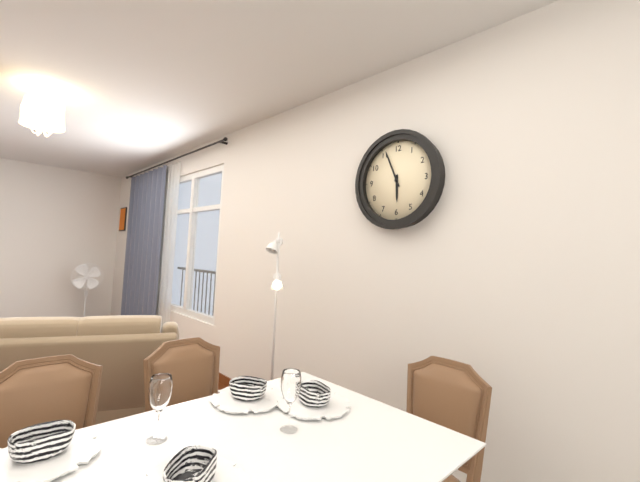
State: 5:56
